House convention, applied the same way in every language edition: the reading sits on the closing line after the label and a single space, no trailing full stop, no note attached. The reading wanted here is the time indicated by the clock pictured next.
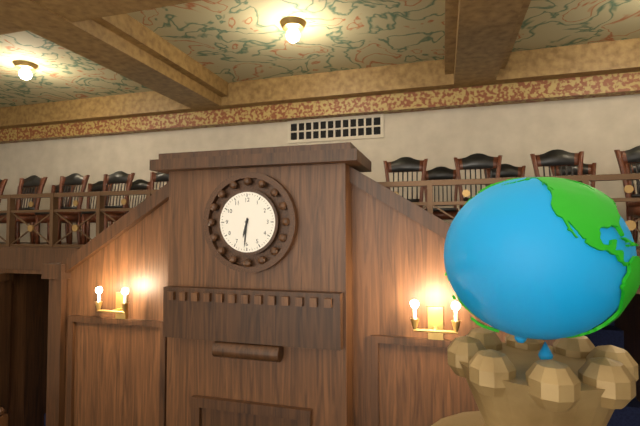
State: 6:31
